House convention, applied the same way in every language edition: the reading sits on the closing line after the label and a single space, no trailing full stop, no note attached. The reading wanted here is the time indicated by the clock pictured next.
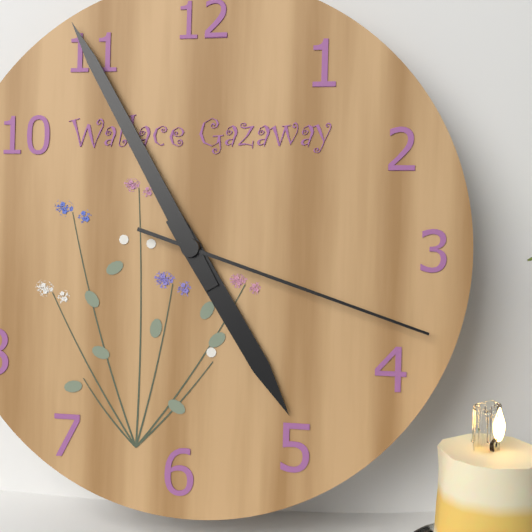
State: 4:55:18
